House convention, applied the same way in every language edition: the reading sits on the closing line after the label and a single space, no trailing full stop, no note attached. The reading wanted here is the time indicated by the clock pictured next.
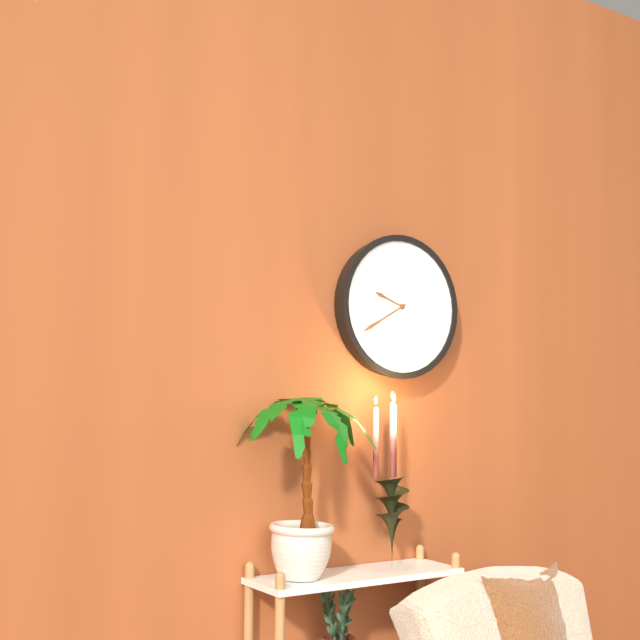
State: 9:40
